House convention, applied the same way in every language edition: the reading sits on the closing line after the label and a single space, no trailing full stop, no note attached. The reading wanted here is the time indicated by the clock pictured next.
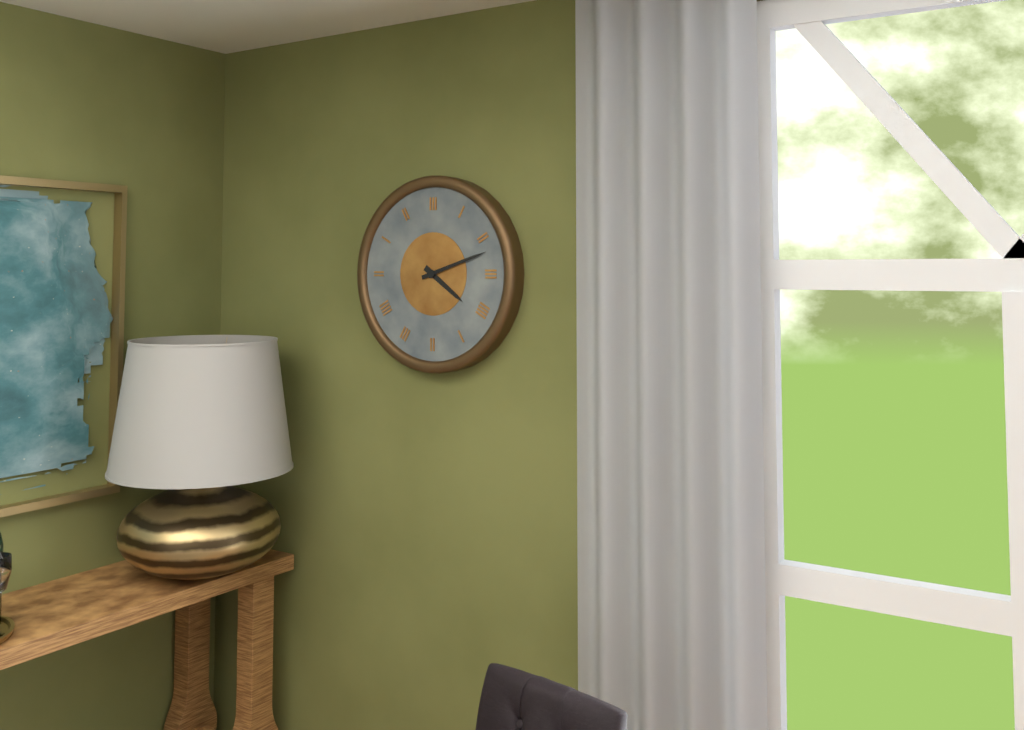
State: 4:12
